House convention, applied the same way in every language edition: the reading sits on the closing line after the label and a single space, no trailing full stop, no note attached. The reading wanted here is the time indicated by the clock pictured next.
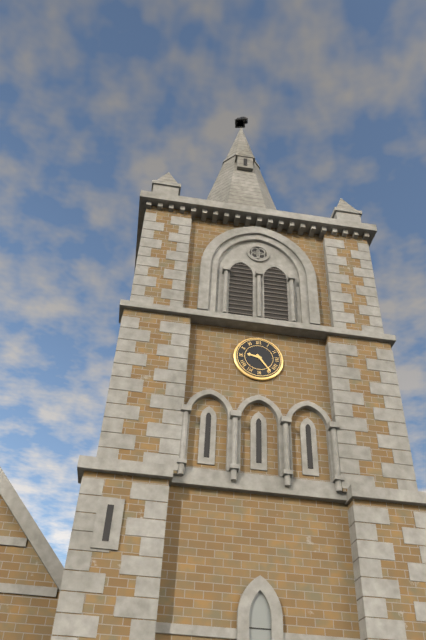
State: 9:24
